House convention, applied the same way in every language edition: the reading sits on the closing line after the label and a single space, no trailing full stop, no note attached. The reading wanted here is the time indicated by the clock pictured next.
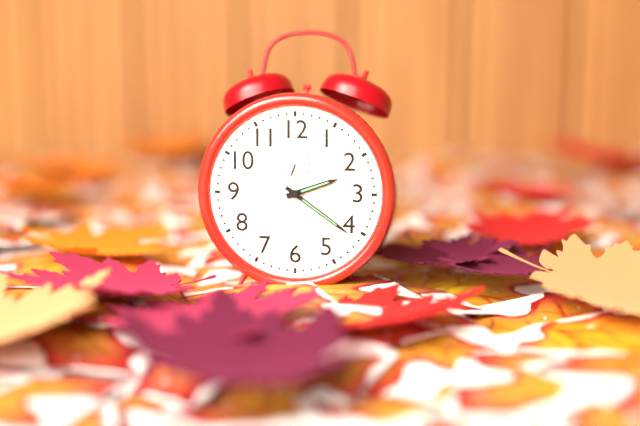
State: 2:21
